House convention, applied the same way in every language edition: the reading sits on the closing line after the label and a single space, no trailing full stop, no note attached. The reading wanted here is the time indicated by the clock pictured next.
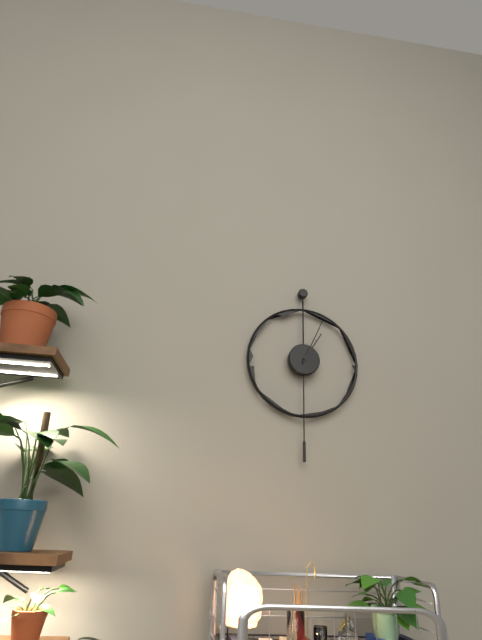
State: 1:04
